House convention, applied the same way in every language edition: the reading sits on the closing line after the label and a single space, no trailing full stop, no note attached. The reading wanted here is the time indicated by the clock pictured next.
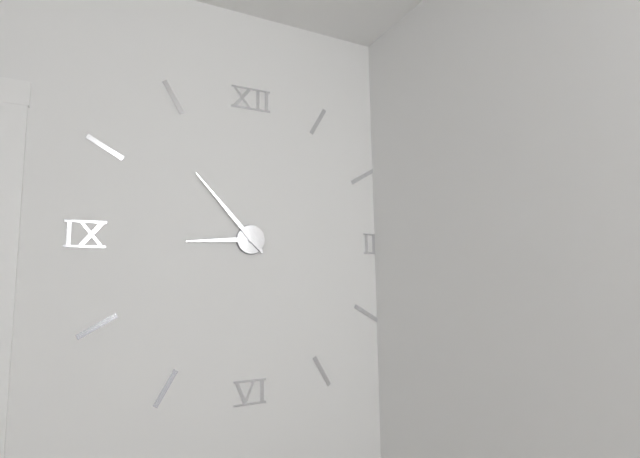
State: 8:53
